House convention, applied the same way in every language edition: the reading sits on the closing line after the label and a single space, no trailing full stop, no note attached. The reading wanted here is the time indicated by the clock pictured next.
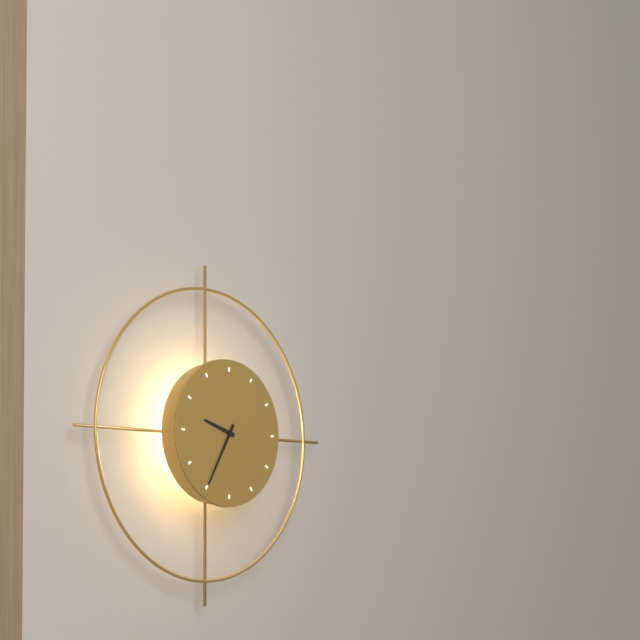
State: 9:35
